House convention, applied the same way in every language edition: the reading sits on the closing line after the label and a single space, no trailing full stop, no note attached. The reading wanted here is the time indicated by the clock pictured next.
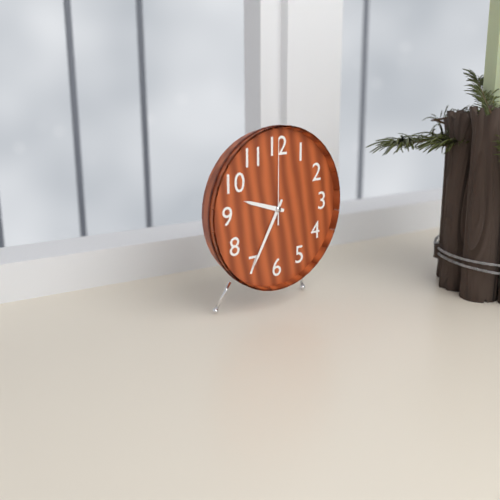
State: 9:35:00
